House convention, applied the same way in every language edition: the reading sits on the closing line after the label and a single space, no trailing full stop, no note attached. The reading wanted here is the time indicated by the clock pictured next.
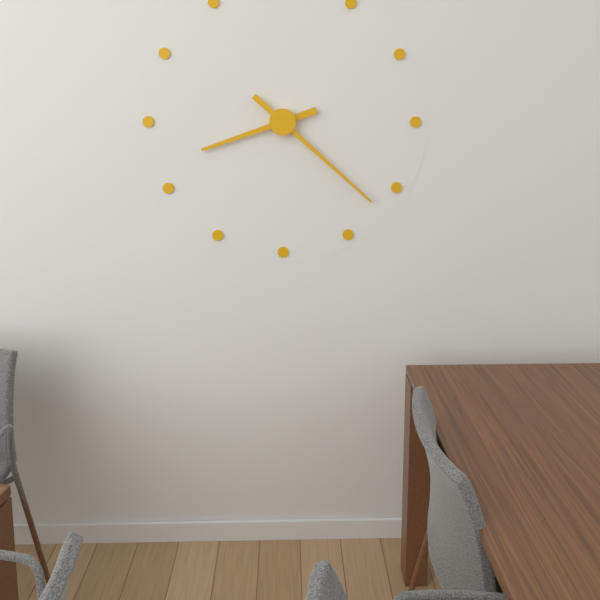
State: 8:22
